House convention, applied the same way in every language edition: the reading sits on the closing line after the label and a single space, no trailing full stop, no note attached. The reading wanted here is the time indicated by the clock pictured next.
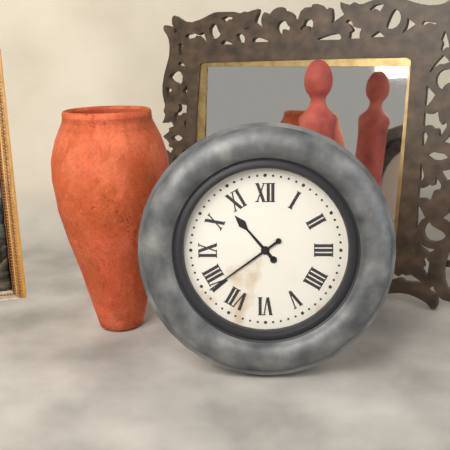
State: 10:39
